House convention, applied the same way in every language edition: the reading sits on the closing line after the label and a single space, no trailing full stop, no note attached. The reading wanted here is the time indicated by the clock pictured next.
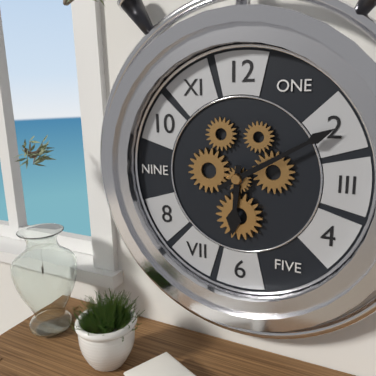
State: 6:10
